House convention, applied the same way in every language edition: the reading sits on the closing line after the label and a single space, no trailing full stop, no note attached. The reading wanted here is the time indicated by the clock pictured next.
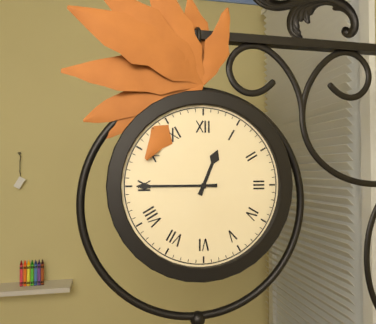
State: 12:45
